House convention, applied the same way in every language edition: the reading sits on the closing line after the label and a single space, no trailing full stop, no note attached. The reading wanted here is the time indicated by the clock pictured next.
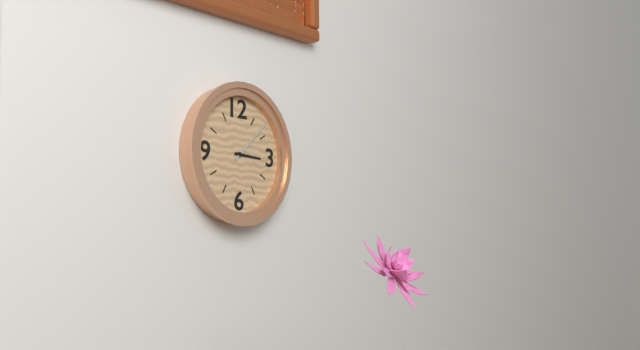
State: 3:08
